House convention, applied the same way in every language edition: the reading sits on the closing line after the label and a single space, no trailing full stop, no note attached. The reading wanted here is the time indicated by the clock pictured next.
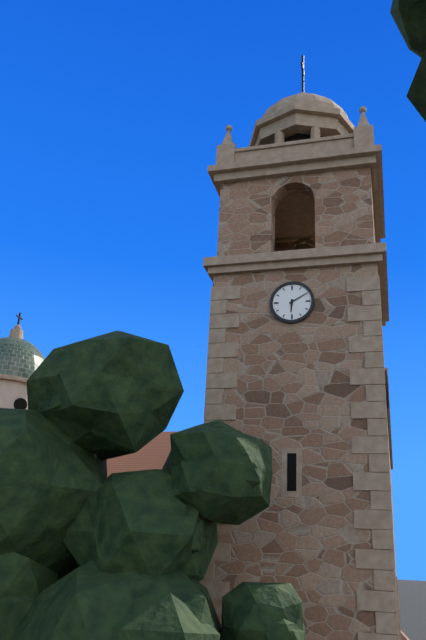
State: 6:10
